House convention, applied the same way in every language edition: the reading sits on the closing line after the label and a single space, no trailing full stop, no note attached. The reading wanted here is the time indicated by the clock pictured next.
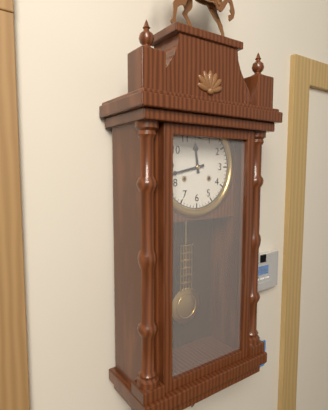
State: 11:43
